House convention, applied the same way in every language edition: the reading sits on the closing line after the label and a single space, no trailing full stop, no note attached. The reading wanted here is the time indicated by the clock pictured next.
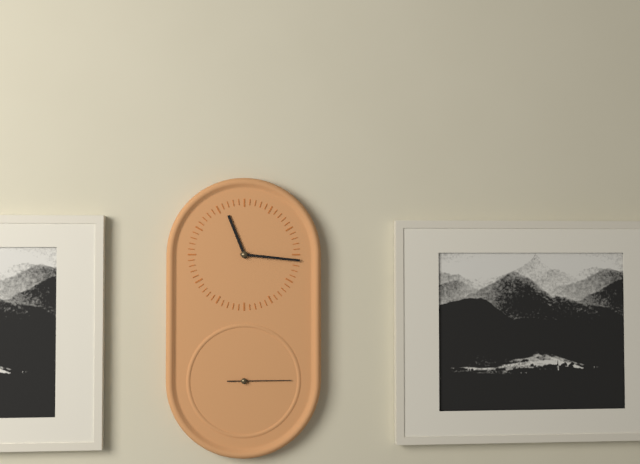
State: 11:16:15
